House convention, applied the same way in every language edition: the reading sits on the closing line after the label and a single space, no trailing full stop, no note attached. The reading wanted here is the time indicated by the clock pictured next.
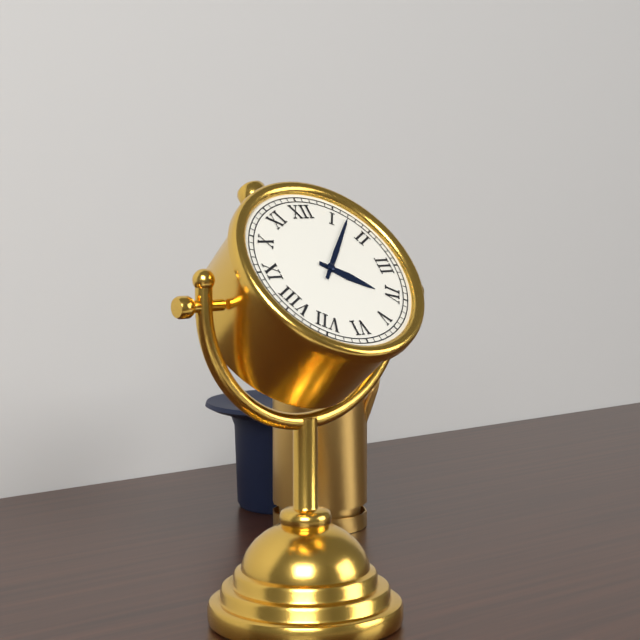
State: 4:07
